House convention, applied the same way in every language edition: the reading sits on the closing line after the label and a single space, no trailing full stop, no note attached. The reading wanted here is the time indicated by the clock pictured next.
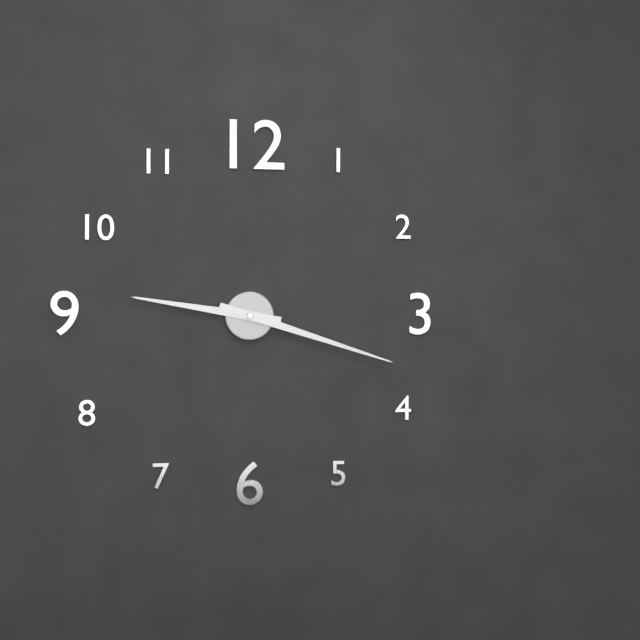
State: 9:18
